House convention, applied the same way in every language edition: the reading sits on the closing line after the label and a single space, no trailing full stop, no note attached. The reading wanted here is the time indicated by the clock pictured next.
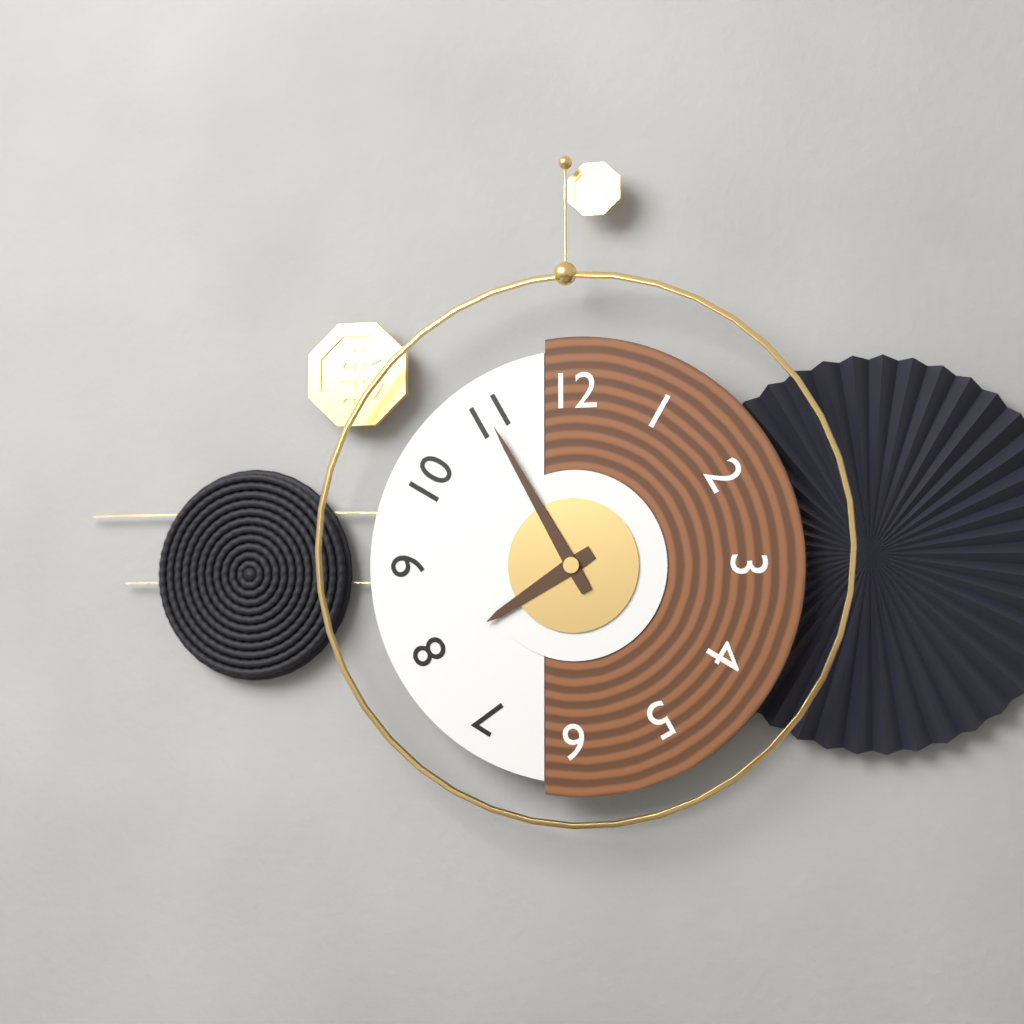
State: 7:55
